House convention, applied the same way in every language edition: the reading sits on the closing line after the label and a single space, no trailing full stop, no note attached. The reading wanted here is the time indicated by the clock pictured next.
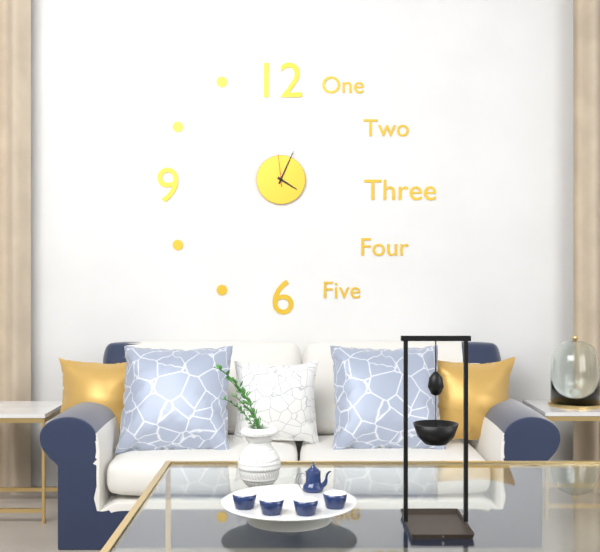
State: 4:04
